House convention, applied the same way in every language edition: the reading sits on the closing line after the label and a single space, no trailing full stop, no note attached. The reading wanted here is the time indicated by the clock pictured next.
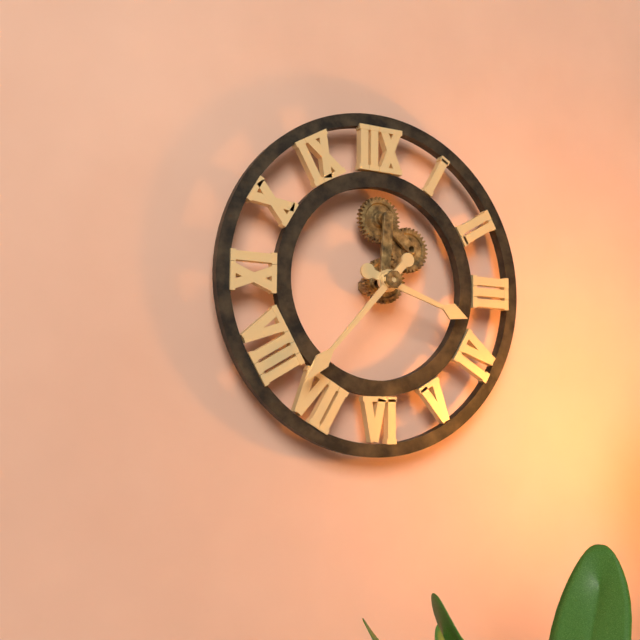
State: 3:37
